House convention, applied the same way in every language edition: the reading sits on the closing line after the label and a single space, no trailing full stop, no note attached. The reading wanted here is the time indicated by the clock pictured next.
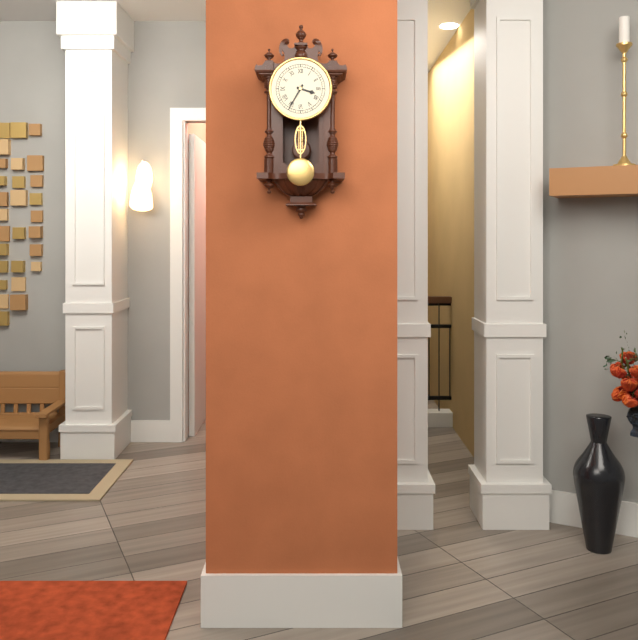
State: 3:35
